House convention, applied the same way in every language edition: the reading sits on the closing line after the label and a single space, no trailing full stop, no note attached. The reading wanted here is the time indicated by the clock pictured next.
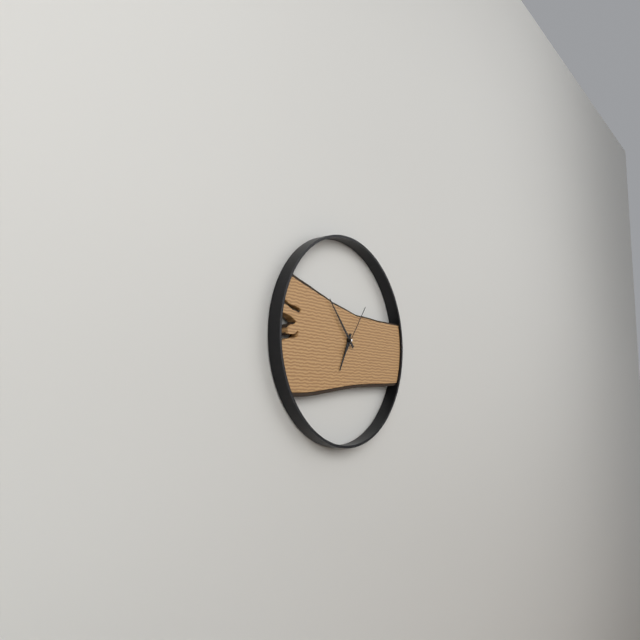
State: 6:53
